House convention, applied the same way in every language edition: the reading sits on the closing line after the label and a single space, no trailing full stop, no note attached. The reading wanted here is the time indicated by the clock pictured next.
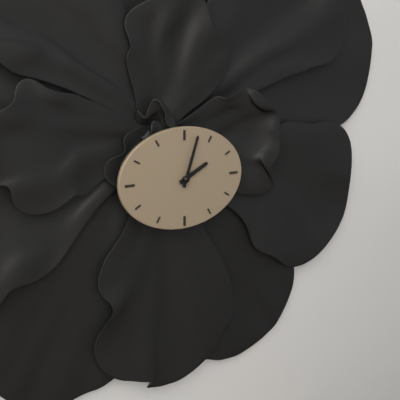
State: 2:03
